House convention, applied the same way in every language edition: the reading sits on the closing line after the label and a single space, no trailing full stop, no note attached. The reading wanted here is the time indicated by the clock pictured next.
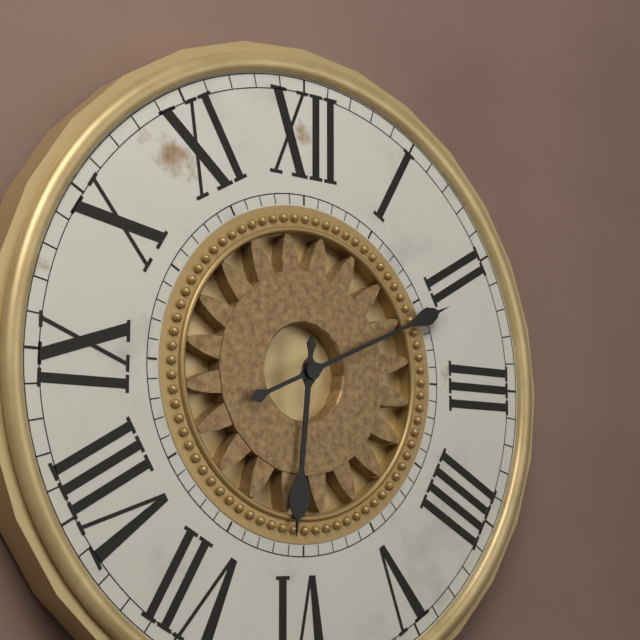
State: 6:11
